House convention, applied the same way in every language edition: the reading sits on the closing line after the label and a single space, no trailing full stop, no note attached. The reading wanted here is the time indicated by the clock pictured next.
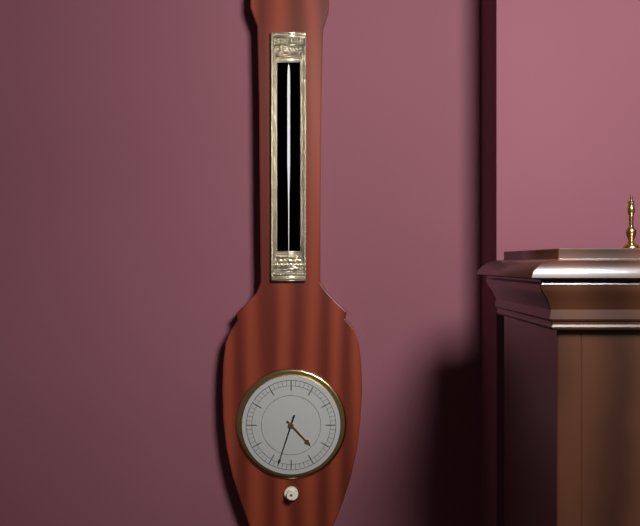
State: 4:33
